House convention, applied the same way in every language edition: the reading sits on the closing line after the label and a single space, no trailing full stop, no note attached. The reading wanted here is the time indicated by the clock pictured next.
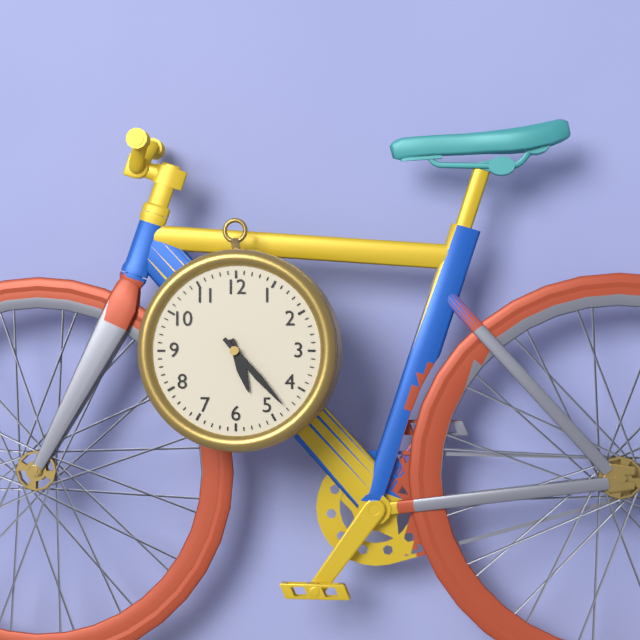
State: 5:23
